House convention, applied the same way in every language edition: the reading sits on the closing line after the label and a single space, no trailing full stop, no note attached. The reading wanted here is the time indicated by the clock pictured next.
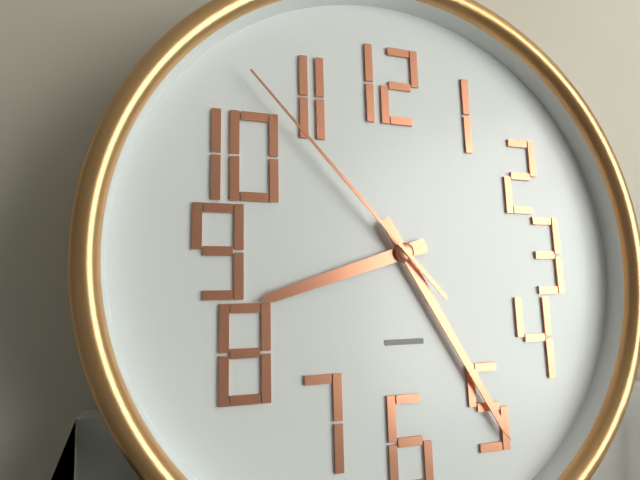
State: 8:25:53
